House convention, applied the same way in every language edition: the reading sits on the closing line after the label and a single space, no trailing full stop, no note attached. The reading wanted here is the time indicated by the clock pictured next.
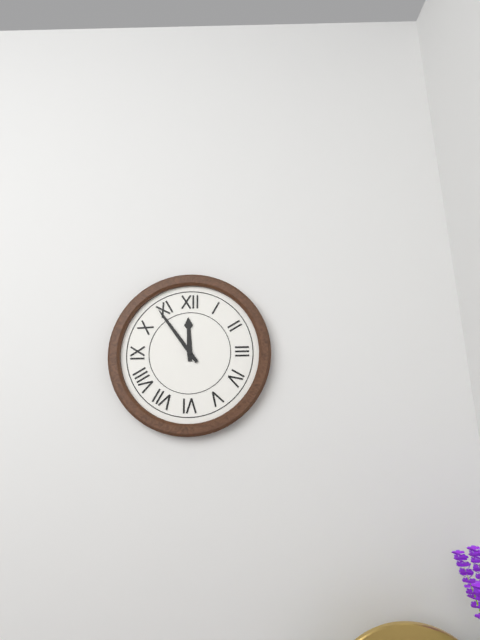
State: 11:54
